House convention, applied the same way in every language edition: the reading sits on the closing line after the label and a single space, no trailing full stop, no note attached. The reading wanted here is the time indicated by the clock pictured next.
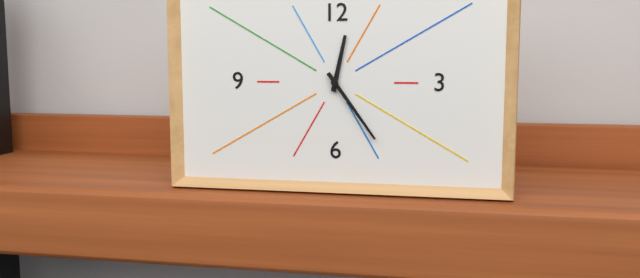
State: 12:24
